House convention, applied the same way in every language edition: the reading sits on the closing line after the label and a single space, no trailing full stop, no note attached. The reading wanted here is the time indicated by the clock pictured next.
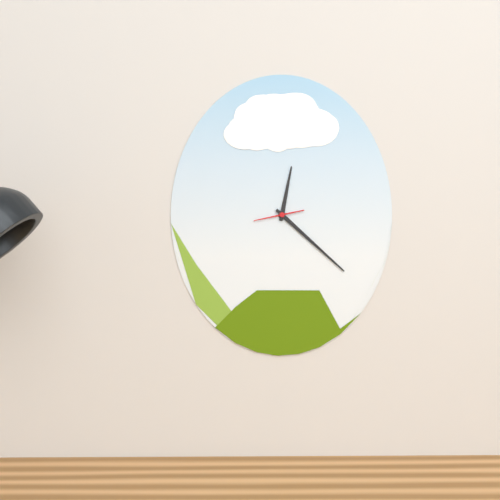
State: 12:22
